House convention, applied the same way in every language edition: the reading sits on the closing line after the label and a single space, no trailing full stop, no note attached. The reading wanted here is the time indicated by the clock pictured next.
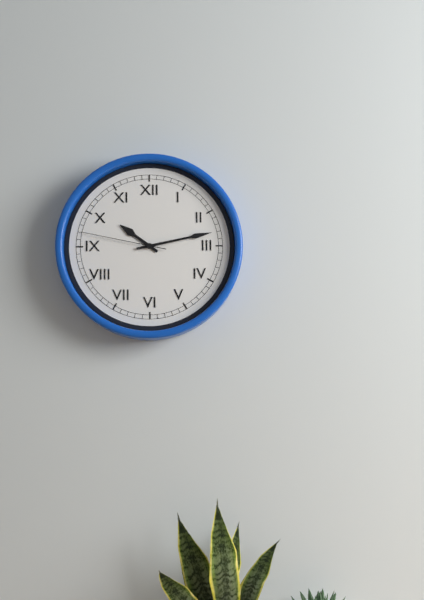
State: 10:13:47
